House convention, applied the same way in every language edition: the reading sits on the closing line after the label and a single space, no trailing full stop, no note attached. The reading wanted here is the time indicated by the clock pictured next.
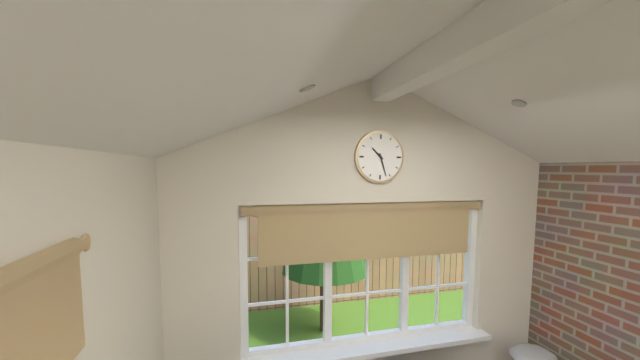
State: 10:27
